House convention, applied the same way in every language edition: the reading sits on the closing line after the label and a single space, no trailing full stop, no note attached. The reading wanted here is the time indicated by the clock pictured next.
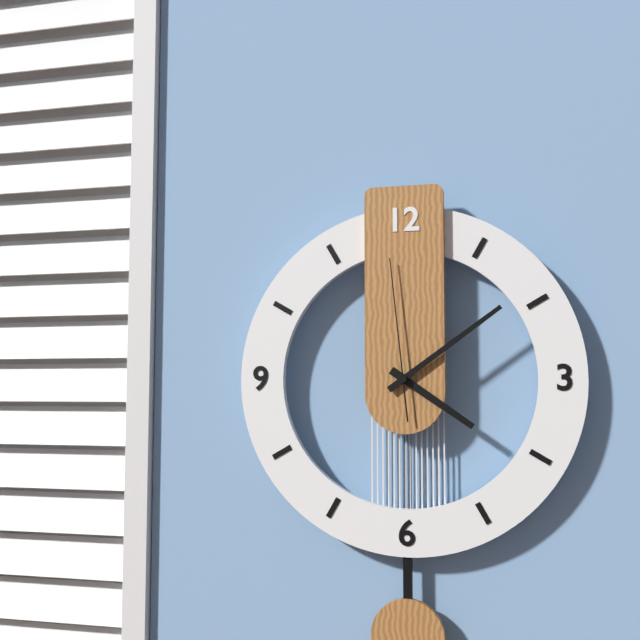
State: 4:09:59
